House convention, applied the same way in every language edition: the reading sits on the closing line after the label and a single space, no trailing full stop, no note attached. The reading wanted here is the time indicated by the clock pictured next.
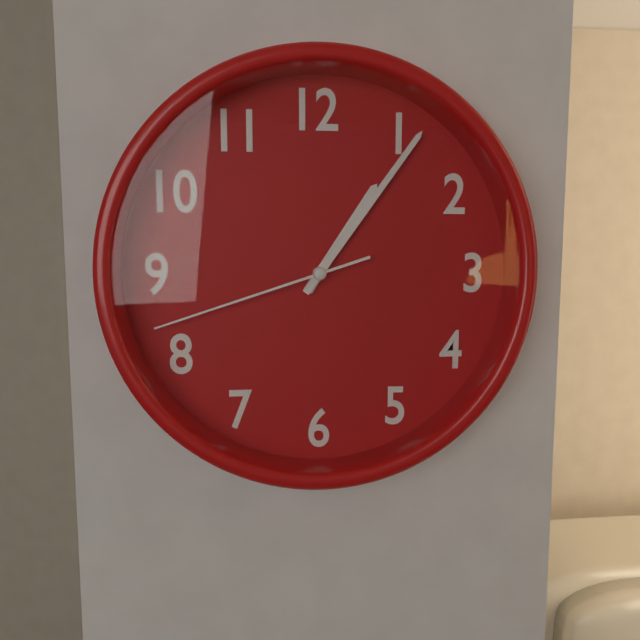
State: 1:06:42
